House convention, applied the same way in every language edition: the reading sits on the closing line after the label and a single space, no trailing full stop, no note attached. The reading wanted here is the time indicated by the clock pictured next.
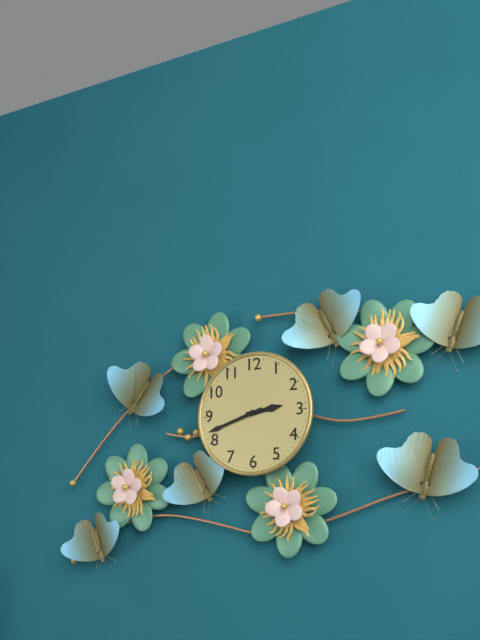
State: 2:42
